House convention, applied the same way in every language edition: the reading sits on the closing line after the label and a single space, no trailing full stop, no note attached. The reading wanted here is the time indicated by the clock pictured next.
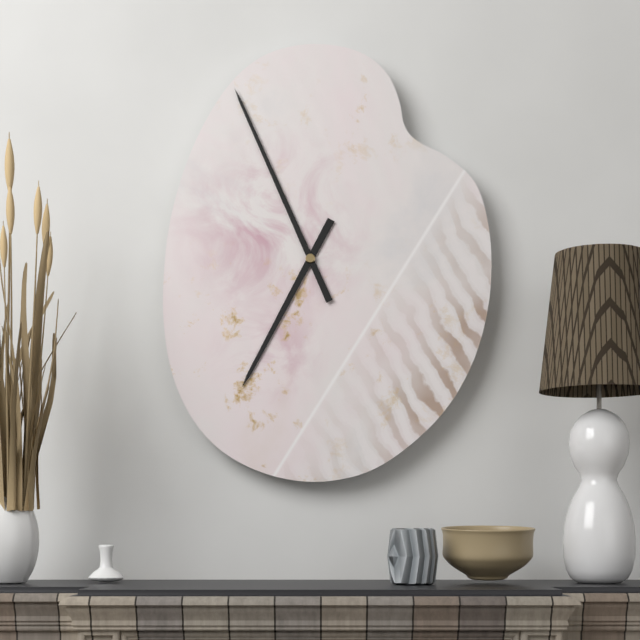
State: 6:56
